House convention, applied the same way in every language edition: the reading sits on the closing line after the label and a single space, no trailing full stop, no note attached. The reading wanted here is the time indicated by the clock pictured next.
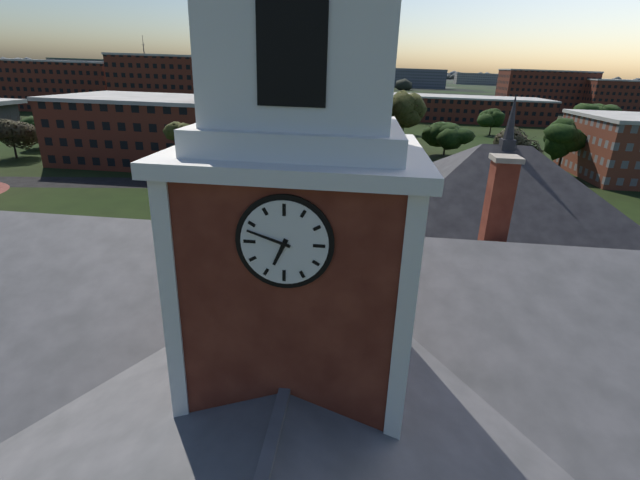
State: 6:48
